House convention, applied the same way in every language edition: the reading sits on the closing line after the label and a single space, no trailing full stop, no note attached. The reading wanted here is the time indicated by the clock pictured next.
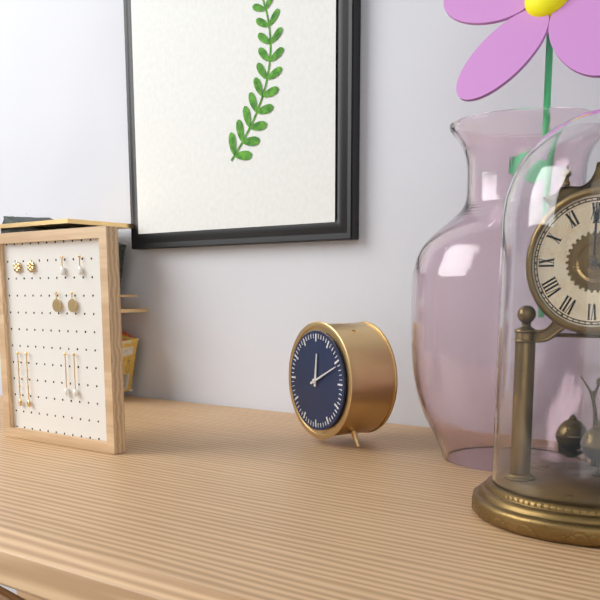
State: 12:11
